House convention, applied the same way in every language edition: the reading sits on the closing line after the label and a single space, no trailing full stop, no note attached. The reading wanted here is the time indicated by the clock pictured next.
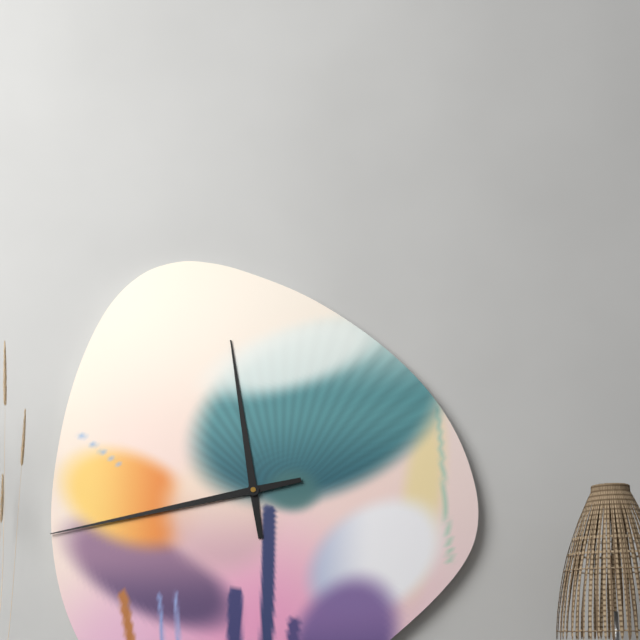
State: 11:43
